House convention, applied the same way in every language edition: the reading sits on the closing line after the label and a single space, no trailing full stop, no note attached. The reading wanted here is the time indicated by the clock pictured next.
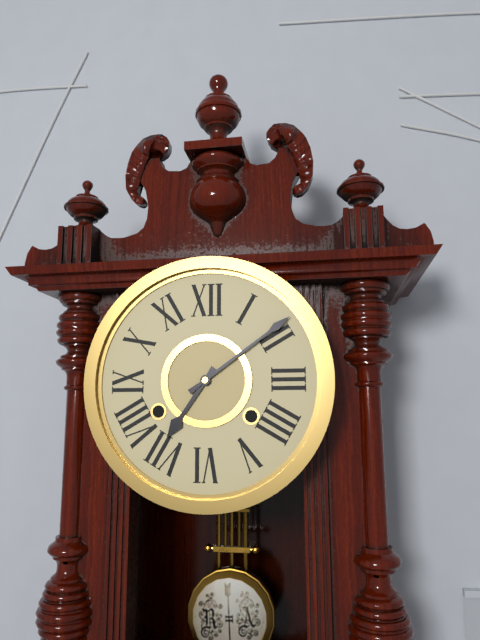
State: 7:09
